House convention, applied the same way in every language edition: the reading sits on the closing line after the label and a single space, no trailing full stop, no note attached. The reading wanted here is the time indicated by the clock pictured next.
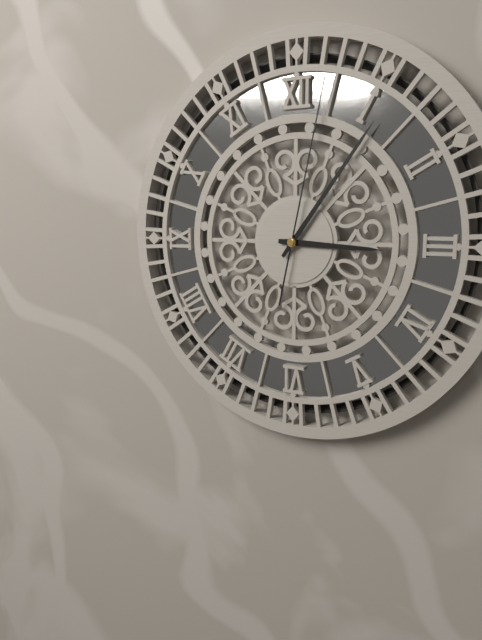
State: 3:06:02
